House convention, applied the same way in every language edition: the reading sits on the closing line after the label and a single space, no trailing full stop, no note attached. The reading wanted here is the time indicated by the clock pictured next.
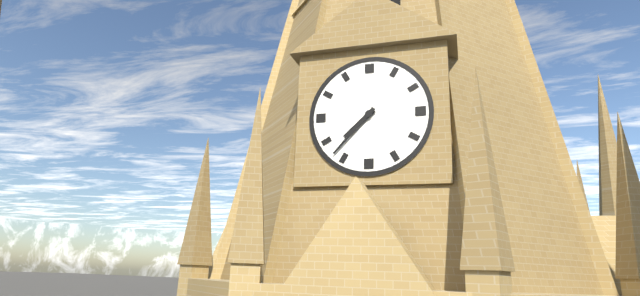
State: 7:37
